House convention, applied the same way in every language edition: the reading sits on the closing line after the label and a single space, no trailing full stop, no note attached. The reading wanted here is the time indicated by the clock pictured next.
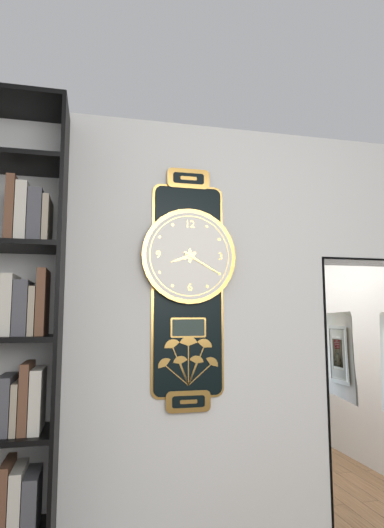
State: 8:20
